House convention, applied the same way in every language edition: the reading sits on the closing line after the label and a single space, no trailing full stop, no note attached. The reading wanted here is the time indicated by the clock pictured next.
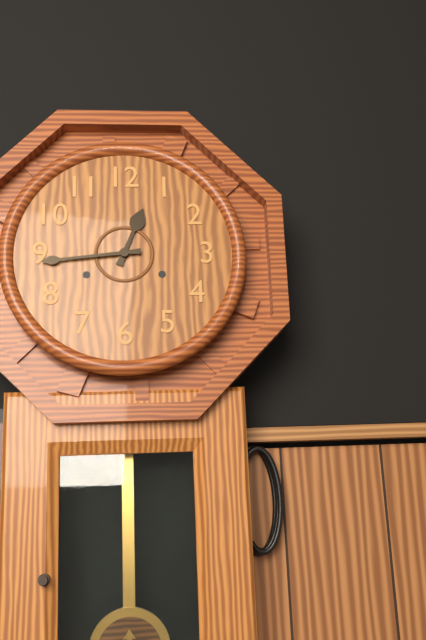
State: 12:44
